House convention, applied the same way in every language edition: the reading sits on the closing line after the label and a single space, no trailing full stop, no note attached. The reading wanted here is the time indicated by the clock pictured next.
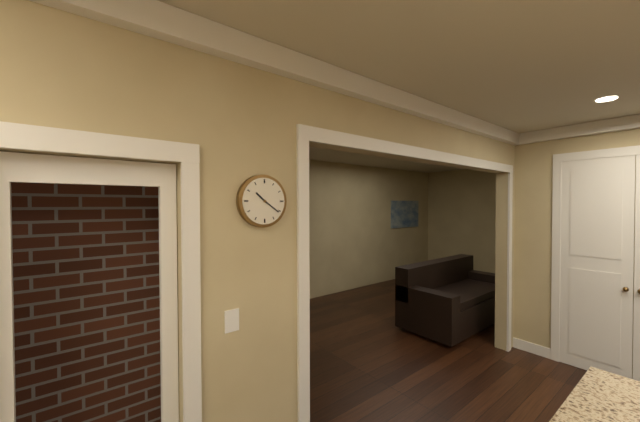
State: 10:21
